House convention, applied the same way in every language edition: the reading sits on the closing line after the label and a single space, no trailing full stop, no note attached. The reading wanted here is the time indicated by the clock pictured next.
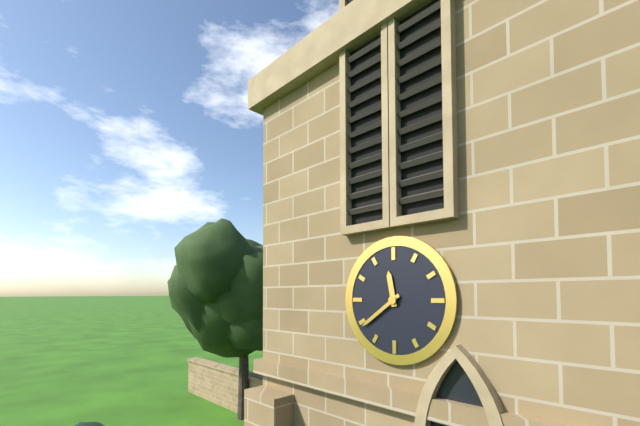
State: 11:39
